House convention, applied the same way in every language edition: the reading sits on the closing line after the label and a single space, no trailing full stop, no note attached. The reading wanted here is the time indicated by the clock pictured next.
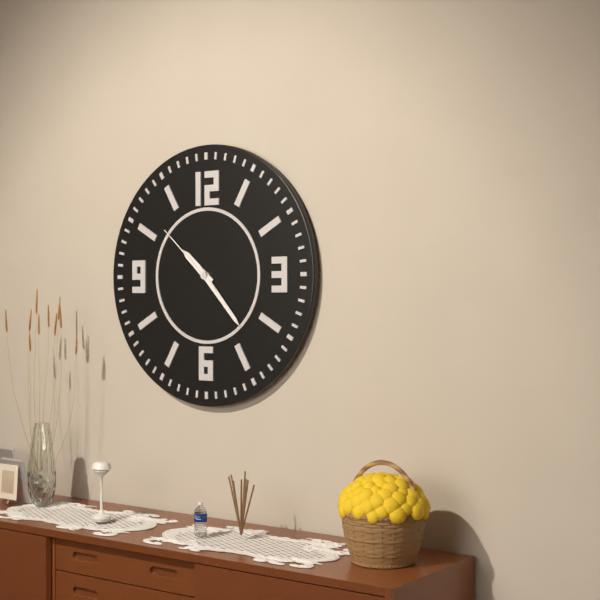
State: 10:23:52
